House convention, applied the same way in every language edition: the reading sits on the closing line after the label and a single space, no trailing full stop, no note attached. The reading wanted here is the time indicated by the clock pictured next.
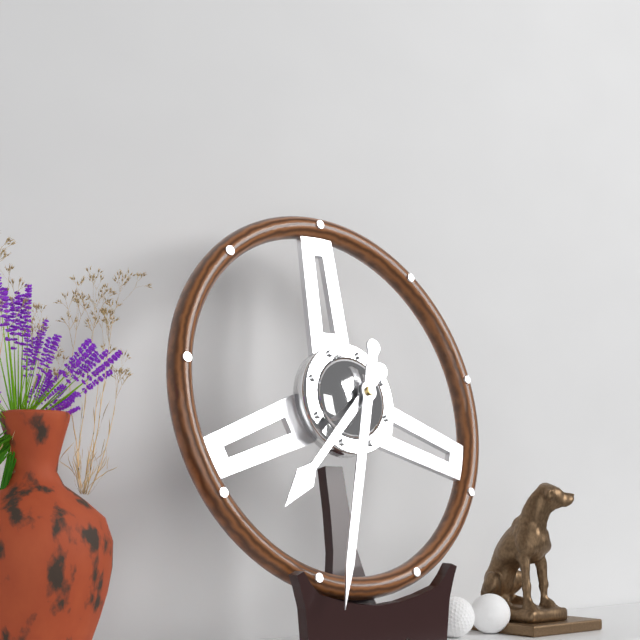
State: 7:33
